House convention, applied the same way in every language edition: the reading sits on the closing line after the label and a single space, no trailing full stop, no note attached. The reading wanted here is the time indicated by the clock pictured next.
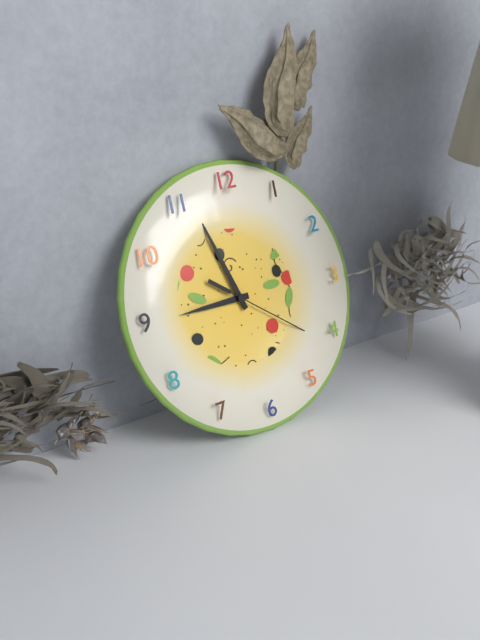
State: 8:57:21
